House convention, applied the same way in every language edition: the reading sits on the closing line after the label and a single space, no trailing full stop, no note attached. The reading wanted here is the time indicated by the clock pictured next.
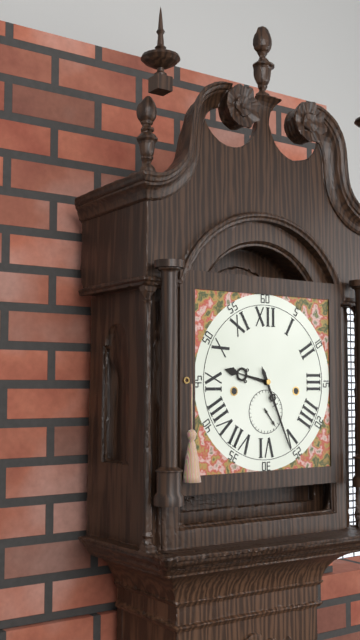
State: 9:26
